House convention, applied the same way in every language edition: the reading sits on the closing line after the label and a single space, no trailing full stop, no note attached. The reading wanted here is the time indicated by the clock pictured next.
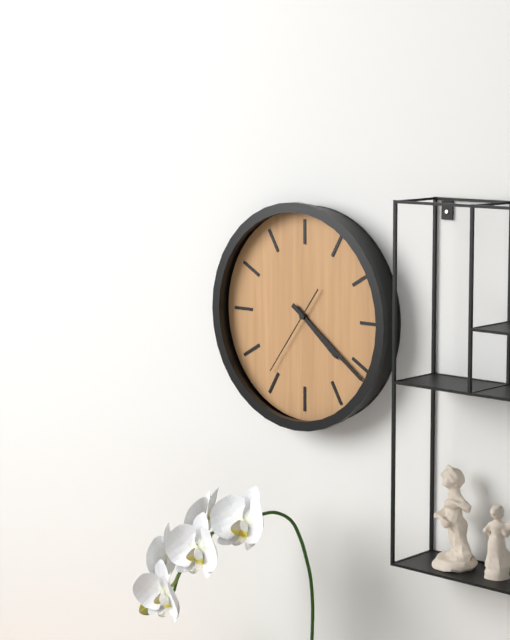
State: 4:21:36
